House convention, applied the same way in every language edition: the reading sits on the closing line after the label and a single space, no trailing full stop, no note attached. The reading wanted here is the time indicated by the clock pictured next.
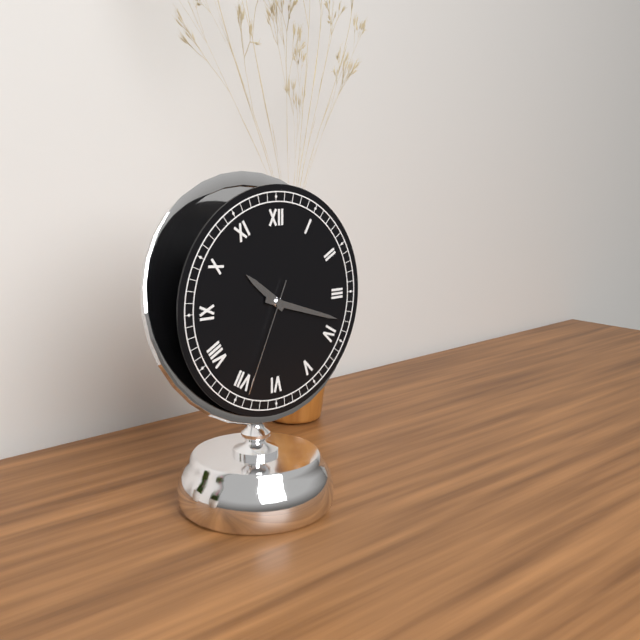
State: 10:18:34
